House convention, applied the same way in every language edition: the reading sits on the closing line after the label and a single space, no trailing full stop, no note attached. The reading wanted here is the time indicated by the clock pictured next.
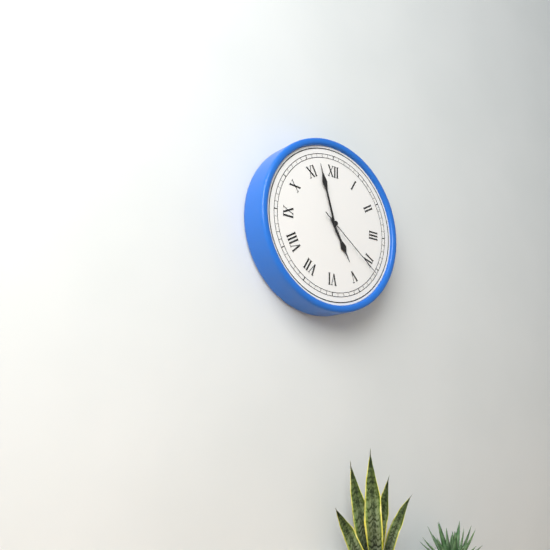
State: 4:57:21
